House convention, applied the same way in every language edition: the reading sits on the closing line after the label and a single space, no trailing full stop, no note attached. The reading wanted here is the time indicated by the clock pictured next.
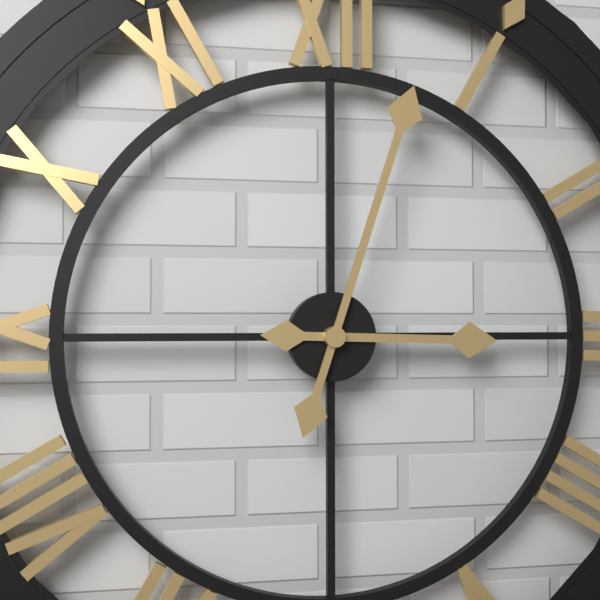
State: 3:03
